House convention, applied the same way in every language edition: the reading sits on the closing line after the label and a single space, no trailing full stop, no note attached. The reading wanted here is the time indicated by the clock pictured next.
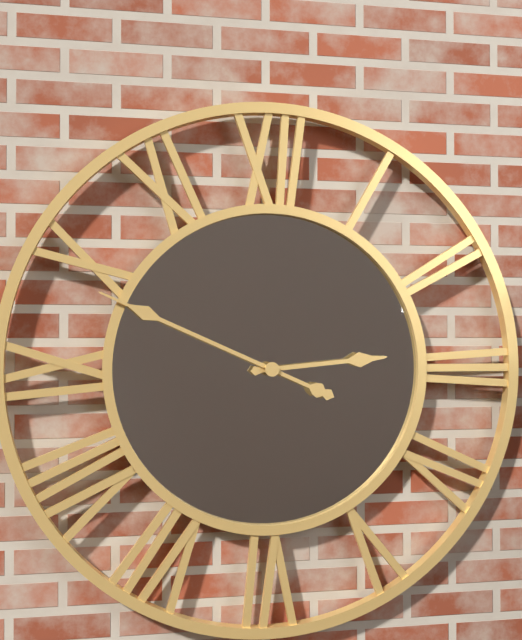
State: 2:49
